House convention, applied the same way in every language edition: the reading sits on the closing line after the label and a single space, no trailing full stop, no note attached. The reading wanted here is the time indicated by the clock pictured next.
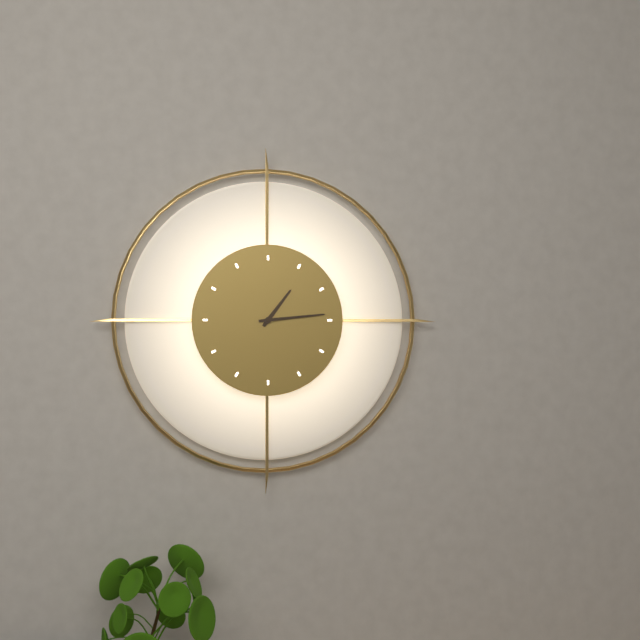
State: 1:14
